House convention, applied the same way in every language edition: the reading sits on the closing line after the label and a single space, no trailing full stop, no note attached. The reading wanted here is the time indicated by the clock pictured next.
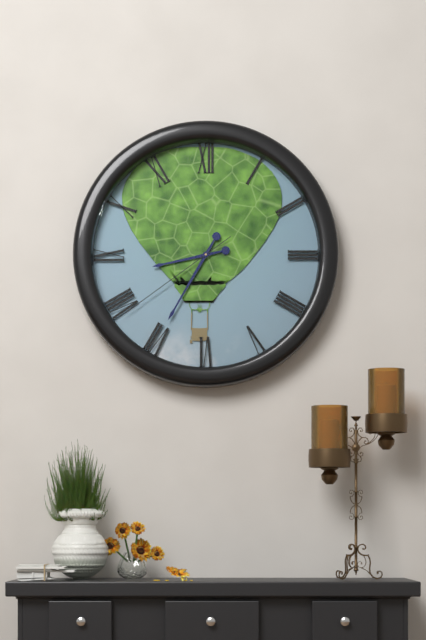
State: 8:35:39
